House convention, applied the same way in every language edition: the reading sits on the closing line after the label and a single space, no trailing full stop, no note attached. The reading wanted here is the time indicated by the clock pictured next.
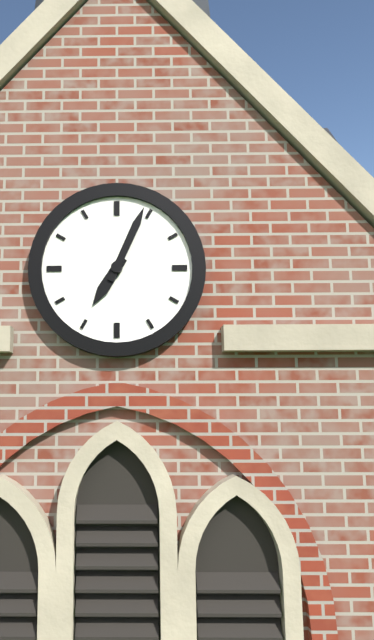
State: 7:04
